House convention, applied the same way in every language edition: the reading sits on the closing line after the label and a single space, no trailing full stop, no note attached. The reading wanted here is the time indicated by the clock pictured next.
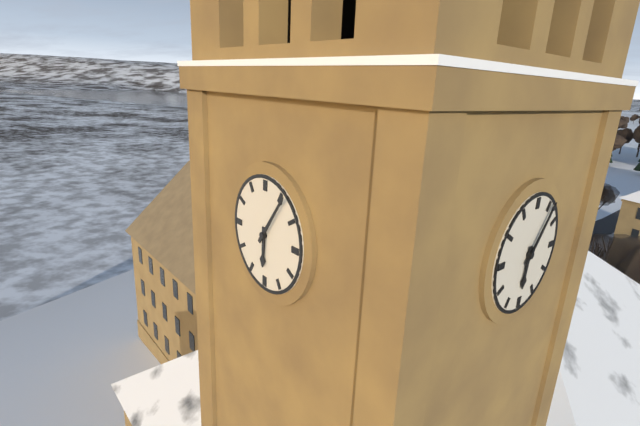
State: 6:06
